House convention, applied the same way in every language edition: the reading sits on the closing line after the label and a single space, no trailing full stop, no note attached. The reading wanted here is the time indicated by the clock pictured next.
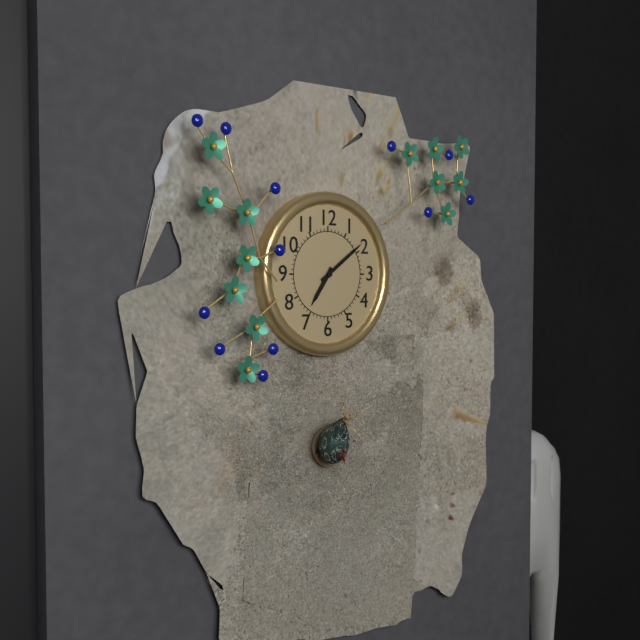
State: 7:09
